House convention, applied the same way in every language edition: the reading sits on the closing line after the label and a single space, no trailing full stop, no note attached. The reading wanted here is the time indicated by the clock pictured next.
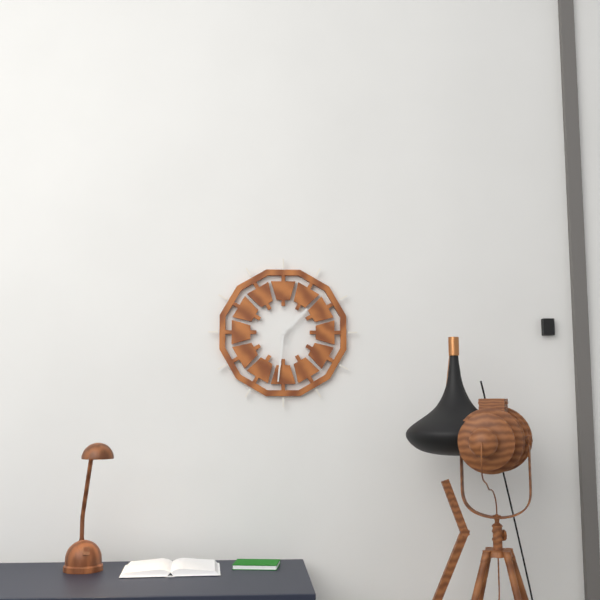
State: 1:31
